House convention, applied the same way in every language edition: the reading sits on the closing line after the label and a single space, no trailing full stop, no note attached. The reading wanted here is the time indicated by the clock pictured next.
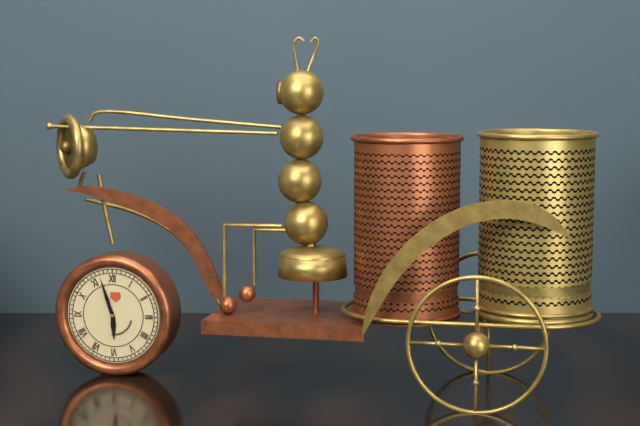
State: 5:57
